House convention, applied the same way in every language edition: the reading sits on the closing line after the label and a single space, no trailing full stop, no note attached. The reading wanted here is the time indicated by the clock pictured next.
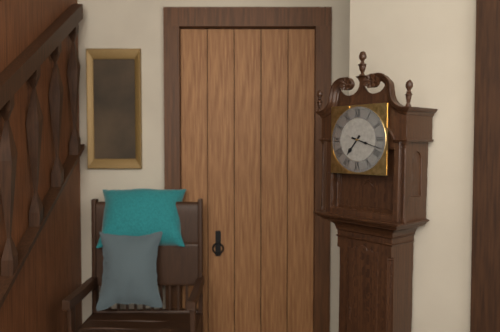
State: 7:18
